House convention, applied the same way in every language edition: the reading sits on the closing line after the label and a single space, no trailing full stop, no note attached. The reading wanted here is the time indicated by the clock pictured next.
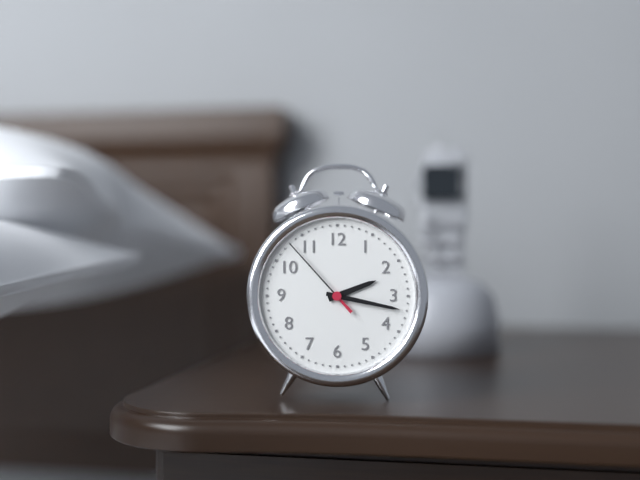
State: 2:17:53
